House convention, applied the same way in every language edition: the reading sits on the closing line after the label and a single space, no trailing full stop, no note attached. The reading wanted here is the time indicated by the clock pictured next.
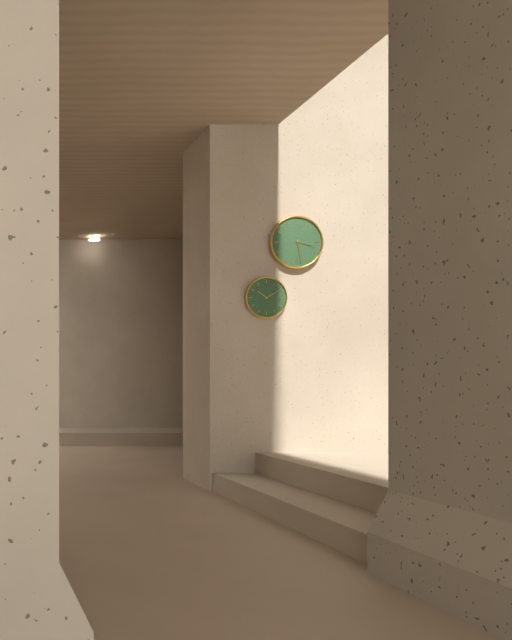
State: 3:28
